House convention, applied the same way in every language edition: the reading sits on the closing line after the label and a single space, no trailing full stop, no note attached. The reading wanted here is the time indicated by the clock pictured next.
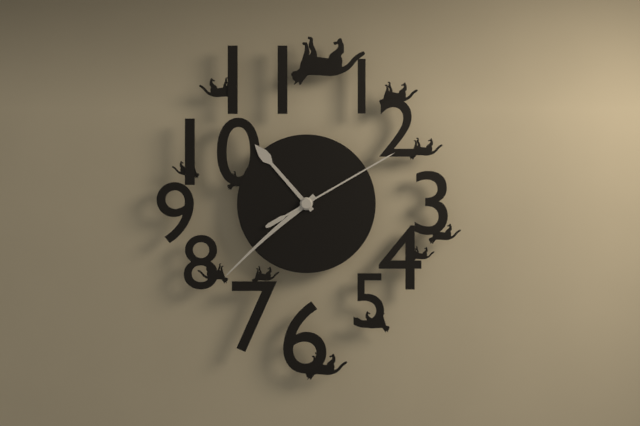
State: 10:38:10
